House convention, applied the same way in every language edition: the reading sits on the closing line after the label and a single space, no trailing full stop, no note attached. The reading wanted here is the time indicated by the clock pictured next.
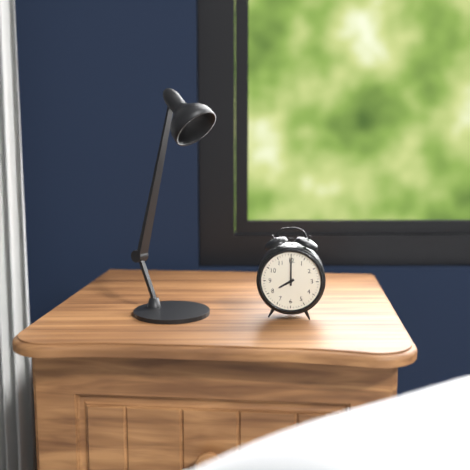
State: 8:00
